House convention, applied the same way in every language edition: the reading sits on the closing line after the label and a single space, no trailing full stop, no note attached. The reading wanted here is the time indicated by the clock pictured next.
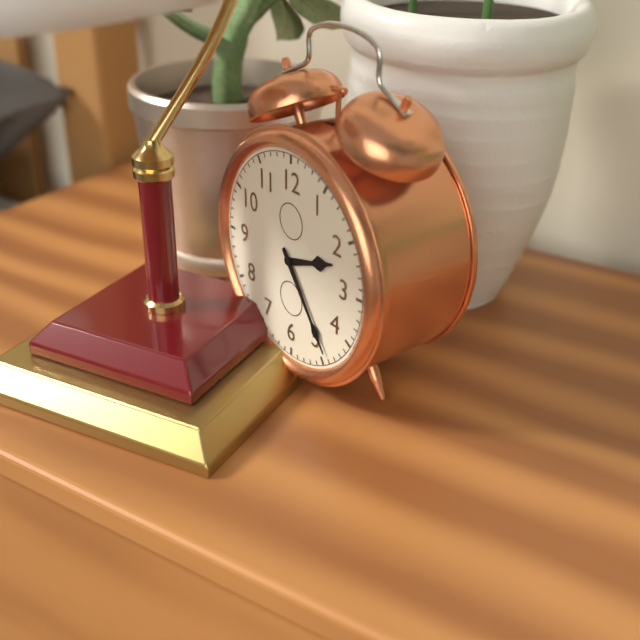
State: 2:24
